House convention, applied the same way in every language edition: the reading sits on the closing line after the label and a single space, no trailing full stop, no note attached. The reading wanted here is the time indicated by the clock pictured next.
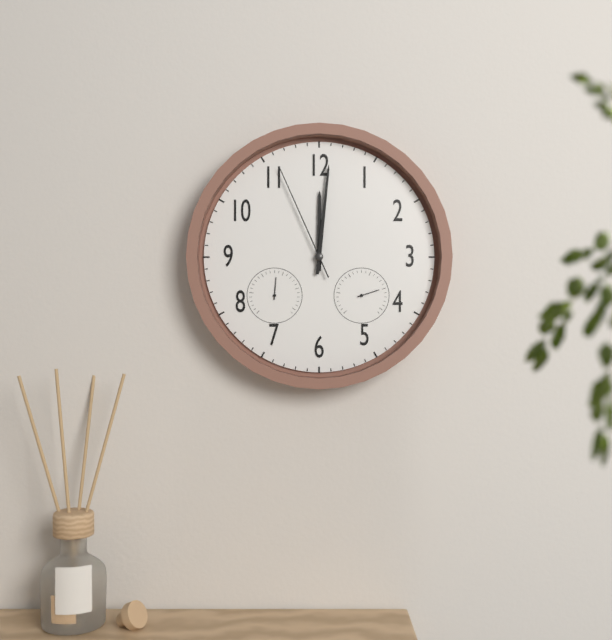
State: 12:01:56
